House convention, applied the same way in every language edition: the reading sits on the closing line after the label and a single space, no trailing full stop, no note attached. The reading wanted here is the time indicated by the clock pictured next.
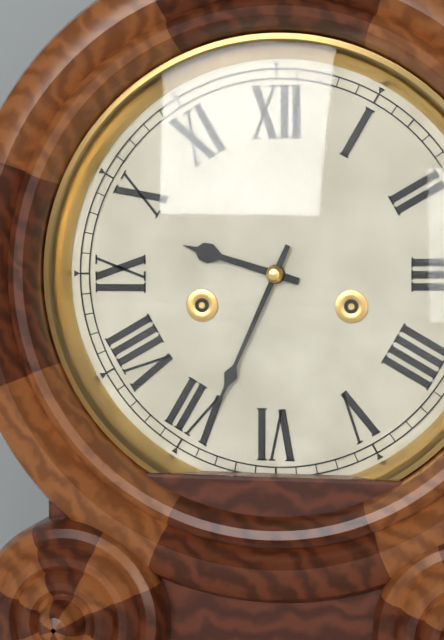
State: 9:34
